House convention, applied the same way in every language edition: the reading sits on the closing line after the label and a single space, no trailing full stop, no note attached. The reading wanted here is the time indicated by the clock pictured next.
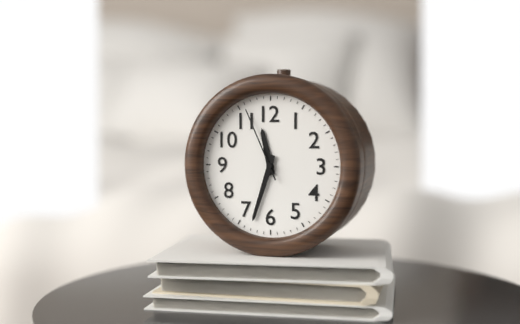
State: 11:33:56
